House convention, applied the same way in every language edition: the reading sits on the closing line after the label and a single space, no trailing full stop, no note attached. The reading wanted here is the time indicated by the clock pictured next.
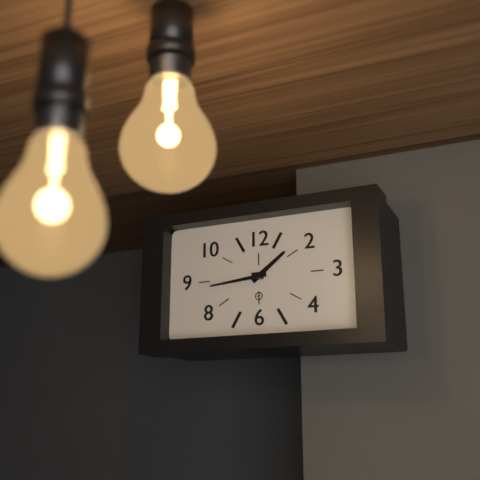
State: 1:44
